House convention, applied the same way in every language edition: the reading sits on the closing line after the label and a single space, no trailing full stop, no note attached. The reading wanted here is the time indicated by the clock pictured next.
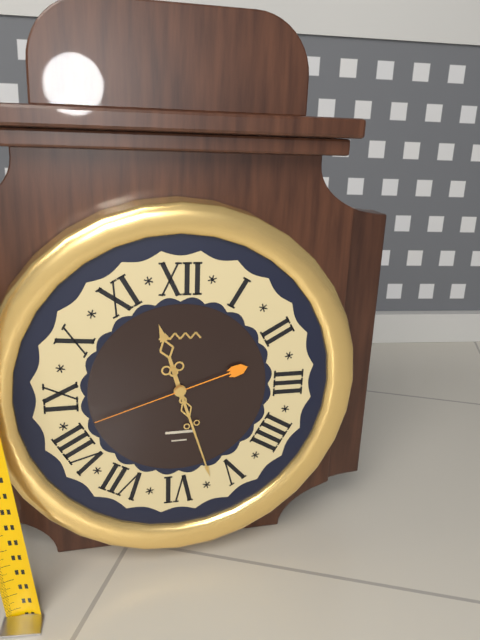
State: 11:27:42
